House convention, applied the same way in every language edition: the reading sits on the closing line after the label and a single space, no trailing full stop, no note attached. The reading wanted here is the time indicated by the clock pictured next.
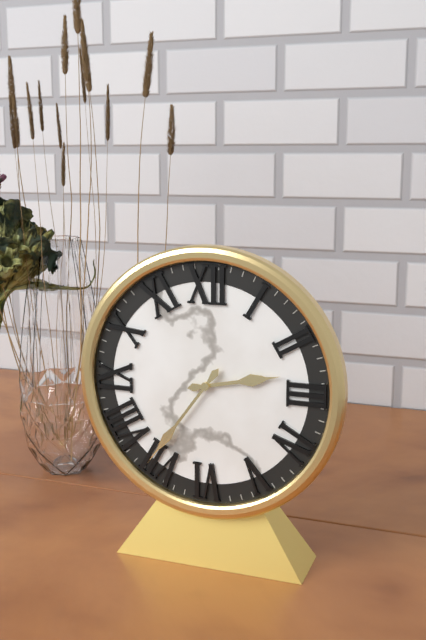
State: 2:36
